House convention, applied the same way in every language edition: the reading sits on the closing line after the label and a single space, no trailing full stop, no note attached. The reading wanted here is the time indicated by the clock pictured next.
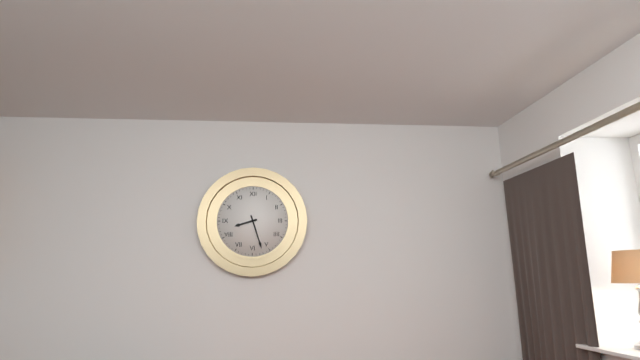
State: 8:27
